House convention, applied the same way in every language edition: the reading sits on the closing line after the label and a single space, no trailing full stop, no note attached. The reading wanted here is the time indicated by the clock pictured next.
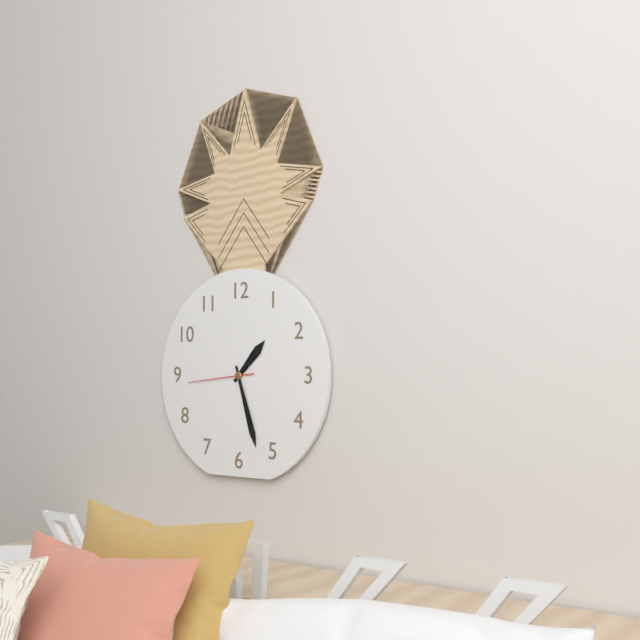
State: 1:27:44
